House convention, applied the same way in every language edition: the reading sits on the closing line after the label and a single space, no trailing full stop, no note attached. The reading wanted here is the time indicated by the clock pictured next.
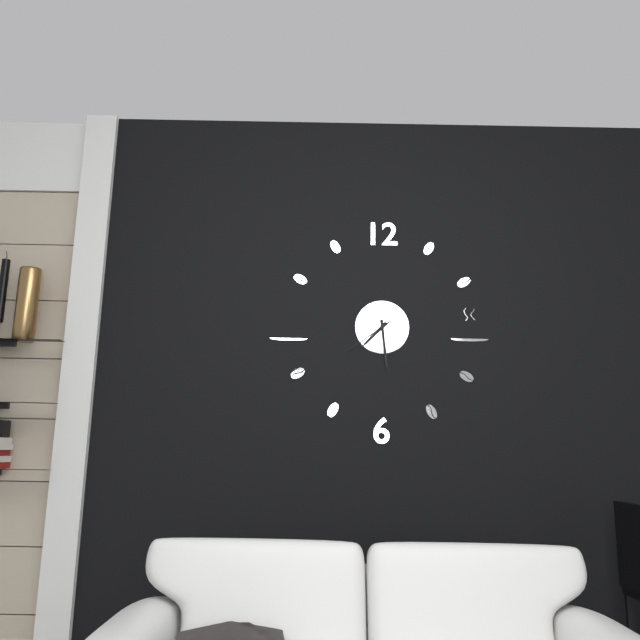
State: 7:29:39
